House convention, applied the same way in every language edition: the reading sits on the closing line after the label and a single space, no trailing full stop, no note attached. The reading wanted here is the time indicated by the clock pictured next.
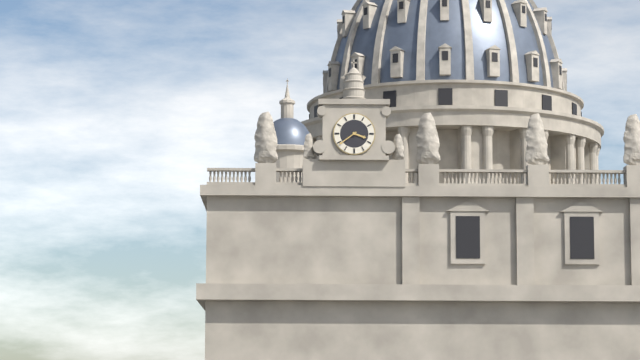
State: 3:39
